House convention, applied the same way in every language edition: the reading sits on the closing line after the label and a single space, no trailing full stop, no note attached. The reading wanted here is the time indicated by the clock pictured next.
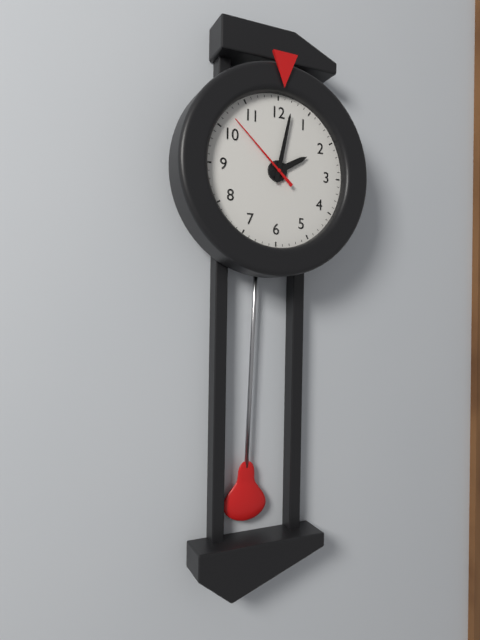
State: 2:02:52
